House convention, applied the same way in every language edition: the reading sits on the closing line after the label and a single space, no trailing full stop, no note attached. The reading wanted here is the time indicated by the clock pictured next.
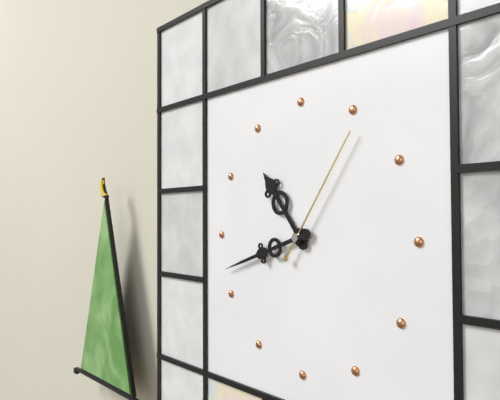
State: 10:42:06
